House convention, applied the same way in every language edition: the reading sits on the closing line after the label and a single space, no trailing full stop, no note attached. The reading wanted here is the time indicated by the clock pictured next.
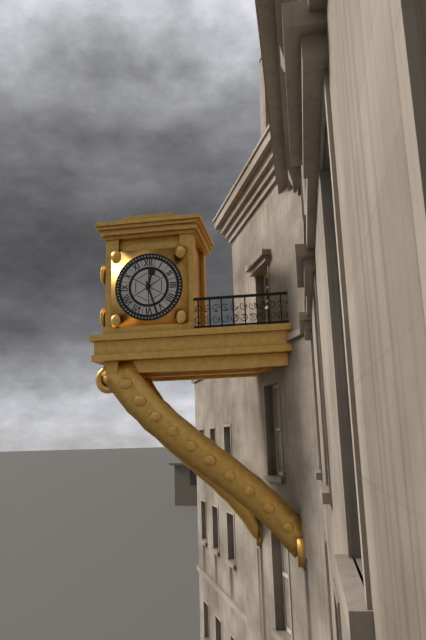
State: 12:27
